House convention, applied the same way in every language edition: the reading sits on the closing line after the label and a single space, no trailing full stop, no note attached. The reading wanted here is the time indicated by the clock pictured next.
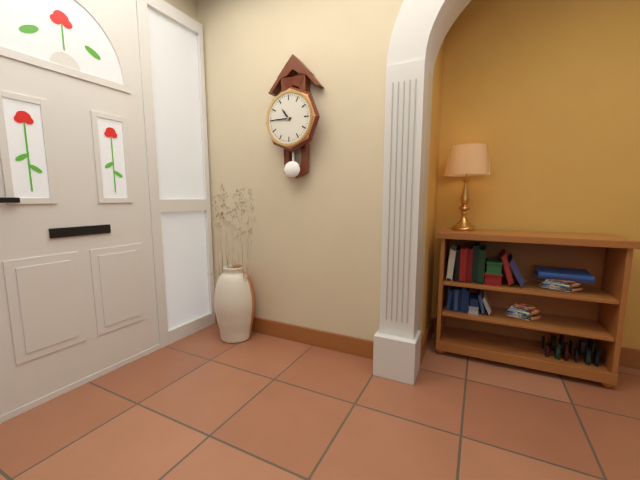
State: 10:45
